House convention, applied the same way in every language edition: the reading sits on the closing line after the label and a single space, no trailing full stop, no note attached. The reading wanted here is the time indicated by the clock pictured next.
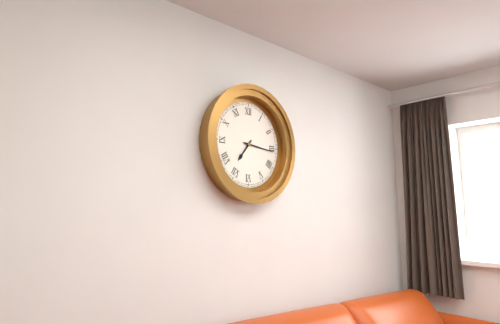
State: 7:16
